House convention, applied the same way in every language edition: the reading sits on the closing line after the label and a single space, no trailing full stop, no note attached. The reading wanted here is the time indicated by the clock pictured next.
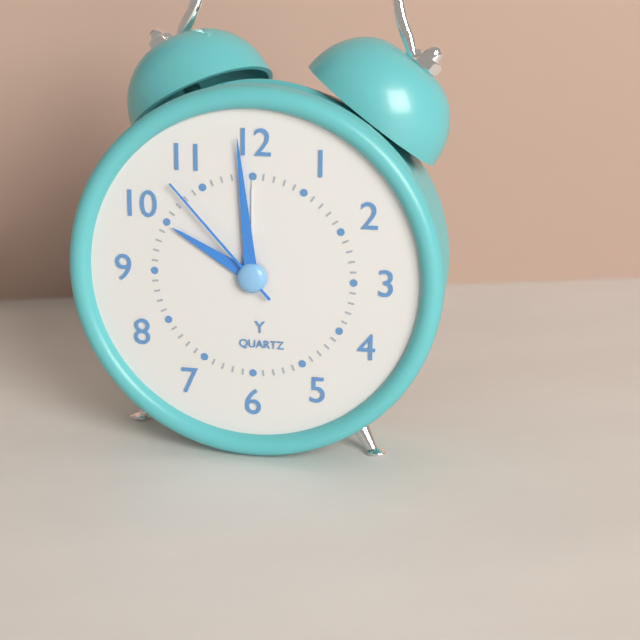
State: 9:59:53
